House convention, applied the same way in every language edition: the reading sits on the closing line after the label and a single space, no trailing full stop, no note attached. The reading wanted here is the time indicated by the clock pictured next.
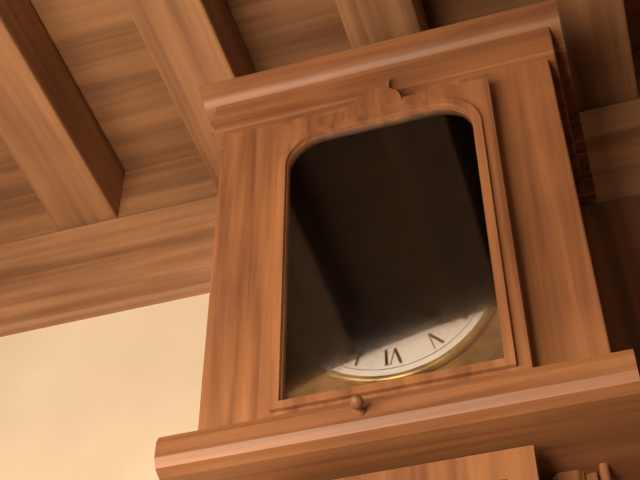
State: 4:22
